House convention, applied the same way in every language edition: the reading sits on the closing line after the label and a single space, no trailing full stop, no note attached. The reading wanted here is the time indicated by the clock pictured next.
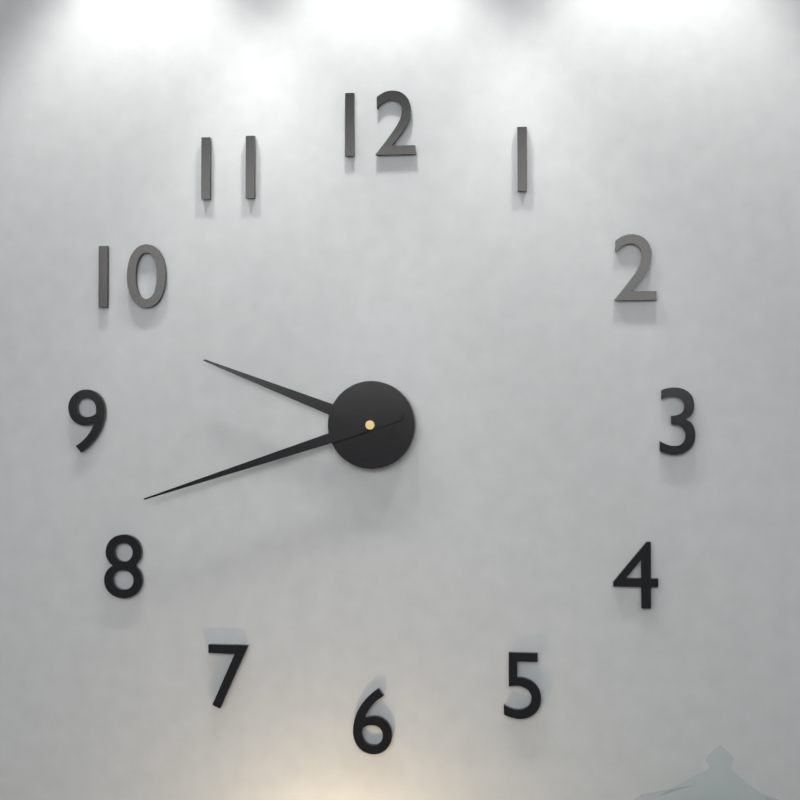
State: 9:42
